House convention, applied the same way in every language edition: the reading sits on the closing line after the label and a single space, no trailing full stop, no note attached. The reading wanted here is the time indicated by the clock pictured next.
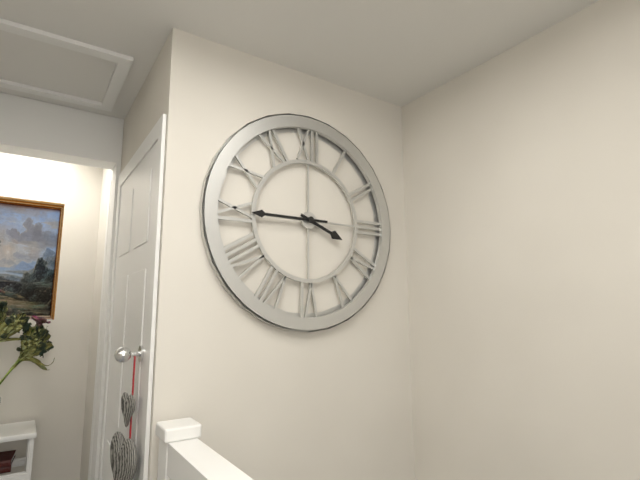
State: 3:45
